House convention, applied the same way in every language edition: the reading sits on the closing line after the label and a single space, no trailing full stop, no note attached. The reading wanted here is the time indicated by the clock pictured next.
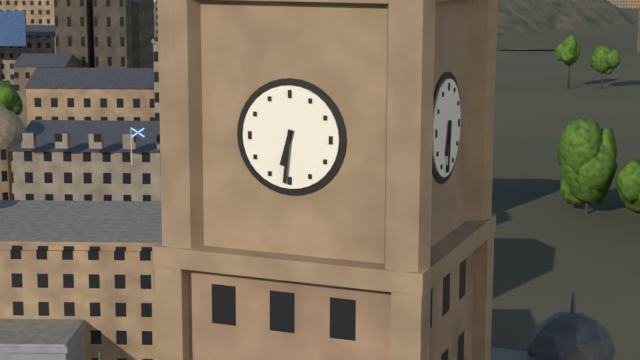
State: 6:31
